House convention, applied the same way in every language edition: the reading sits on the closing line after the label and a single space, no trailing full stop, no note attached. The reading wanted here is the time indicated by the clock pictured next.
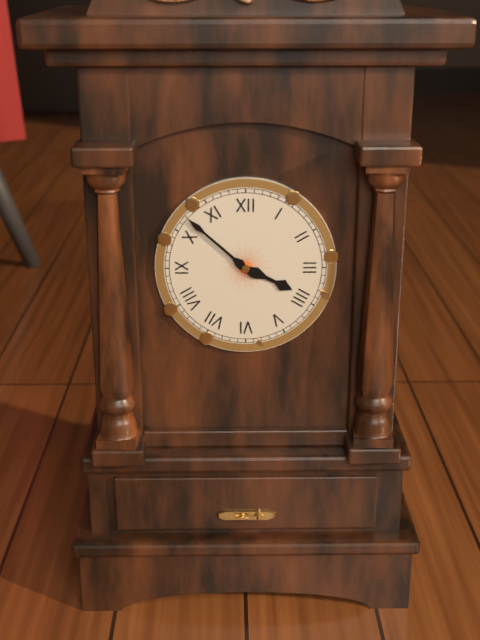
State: 3:52
